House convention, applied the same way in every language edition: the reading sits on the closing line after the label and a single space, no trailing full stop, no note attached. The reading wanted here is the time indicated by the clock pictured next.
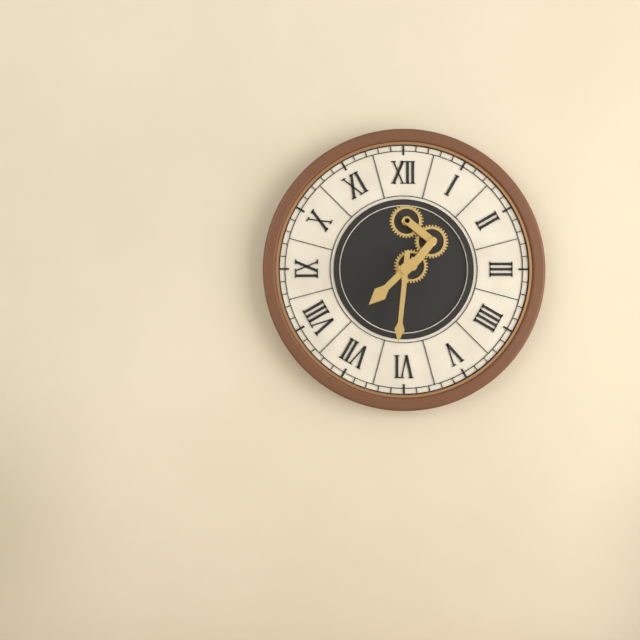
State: 7:31
